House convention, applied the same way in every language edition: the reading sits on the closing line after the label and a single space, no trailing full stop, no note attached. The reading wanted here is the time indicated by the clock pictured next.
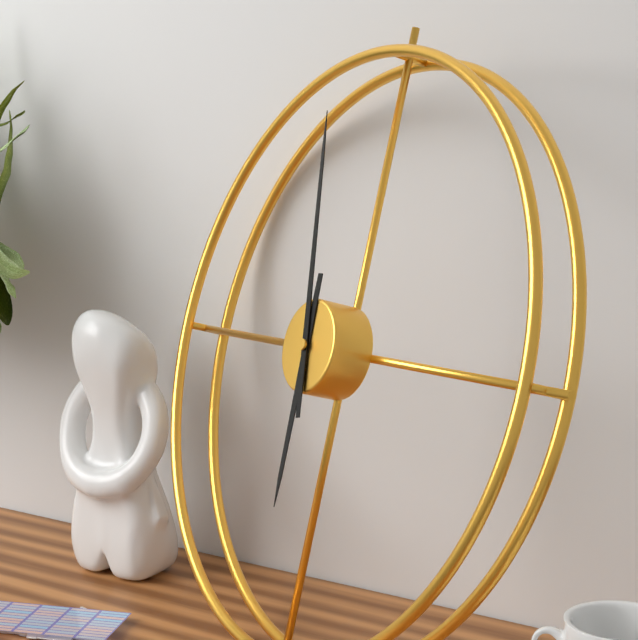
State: 5:58
